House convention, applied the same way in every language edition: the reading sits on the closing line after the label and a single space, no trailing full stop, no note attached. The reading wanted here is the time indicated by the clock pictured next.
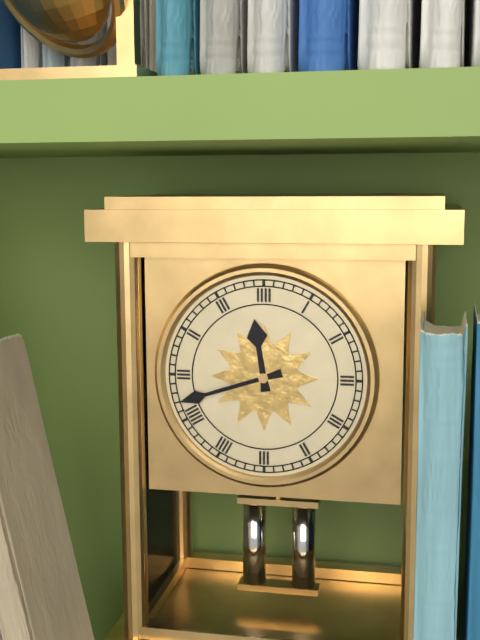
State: 11:42
